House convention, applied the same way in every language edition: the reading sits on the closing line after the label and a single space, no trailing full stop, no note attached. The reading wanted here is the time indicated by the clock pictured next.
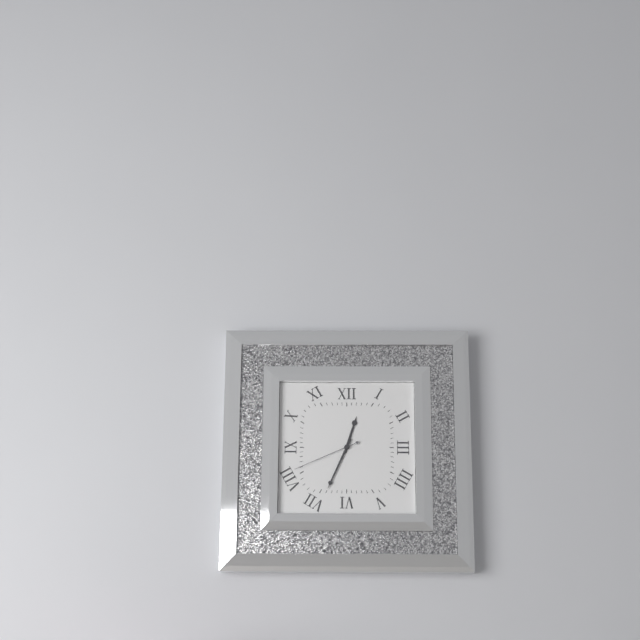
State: 12:34:41
